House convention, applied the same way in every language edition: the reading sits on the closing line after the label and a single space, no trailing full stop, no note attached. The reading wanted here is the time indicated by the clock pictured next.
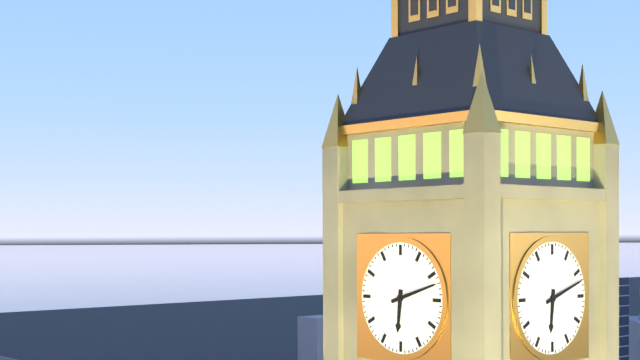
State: 6:12
